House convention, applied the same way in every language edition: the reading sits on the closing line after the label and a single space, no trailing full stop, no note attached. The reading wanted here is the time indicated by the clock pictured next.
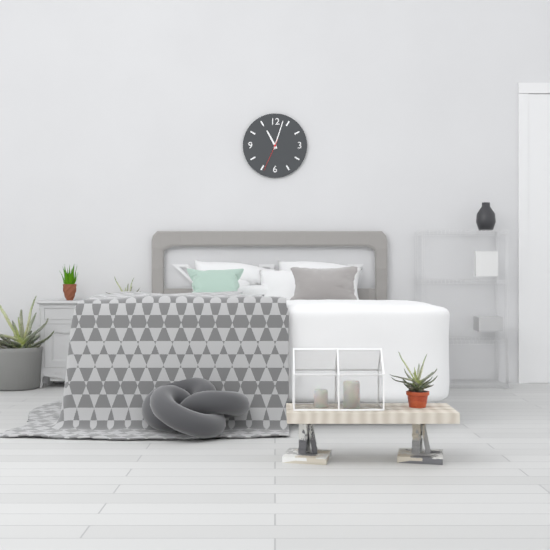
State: 11:03
